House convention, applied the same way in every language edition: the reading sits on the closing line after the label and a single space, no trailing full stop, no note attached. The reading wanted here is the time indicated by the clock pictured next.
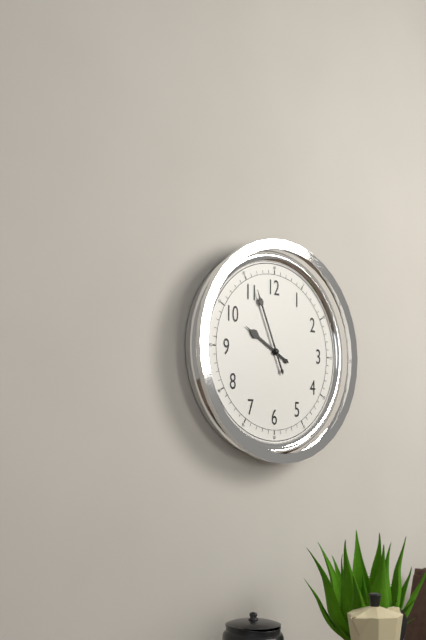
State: 9:56
